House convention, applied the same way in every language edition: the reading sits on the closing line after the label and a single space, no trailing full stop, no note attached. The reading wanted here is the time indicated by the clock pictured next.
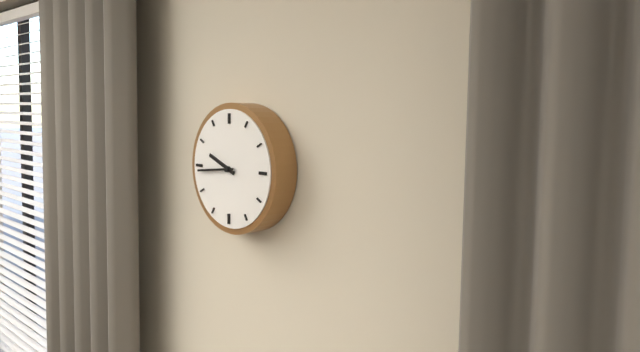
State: 9:44
